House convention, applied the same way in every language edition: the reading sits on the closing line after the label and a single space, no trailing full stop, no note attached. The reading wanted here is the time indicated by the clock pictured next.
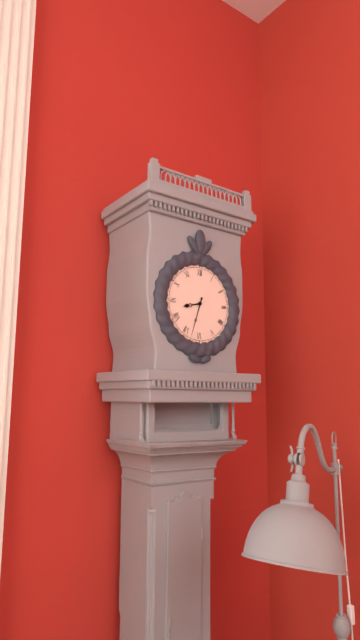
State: 8:33
